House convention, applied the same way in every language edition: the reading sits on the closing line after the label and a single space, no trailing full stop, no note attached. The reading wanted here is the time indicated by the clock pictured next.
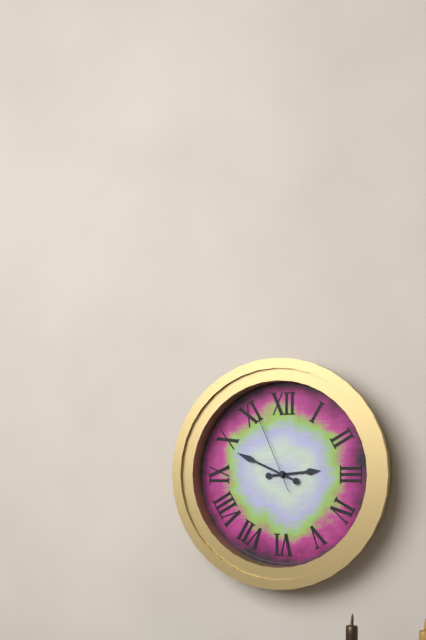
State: 2:49:56
